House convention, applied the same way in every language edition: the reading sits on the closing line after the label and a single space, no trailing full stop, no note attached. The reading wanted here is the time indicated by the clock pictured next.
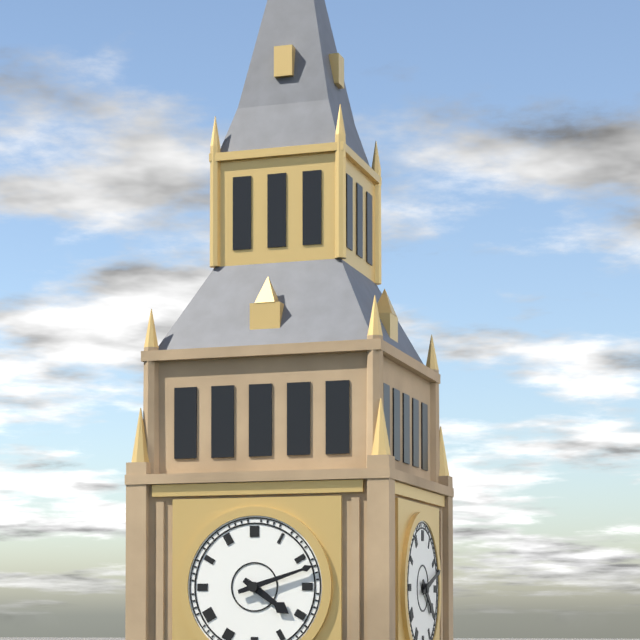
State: 4:12
